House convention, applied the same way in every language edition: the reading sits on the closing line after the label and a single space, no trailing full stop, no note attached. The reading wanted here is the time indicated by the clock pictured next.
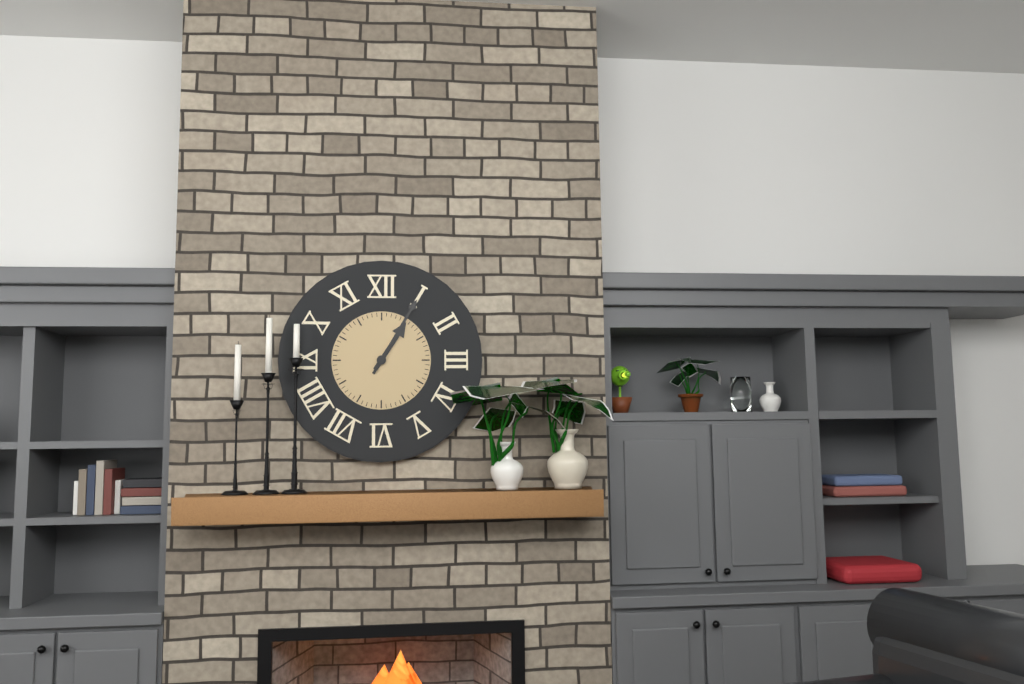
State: 1:05
